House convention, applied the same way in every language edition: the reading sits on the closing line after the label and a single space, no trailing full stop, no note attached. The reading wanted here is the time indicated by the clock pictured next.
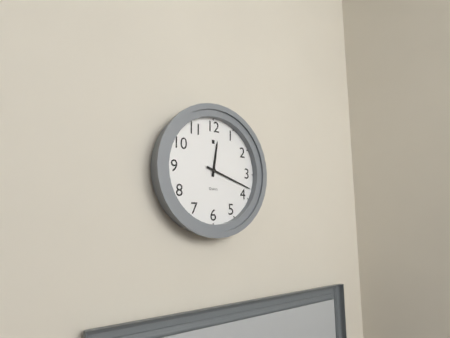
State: 12:18
